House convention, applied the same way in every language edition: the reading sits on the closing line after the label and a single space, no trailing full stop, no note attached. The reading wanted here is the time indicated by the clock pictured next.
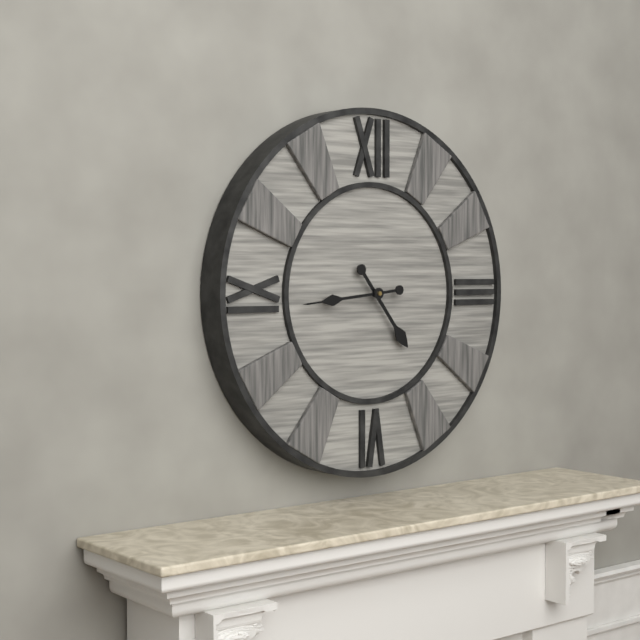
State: 4:44
